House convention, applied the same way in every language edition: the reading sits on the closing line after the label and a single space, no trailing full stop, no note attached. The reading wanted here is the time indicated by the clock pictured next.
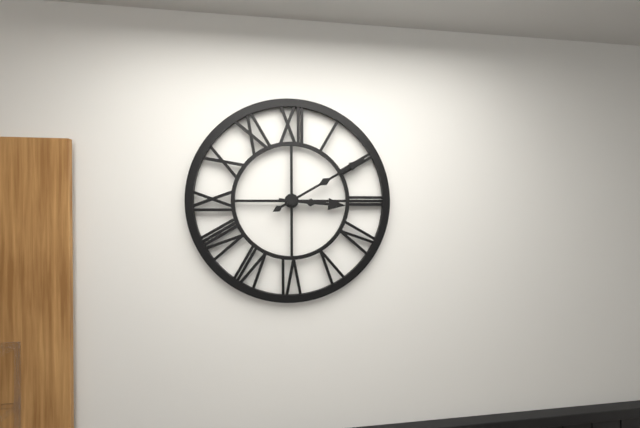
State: 3:10
